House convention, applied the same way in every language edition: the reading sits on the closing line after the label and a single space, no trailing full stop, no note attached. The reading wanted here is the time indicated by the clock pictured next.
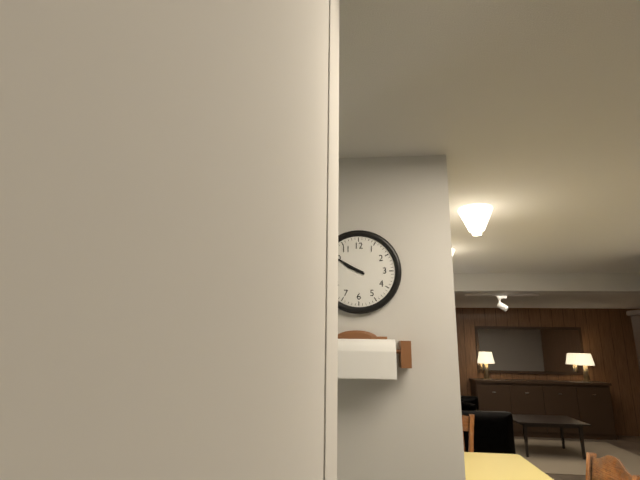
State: 9:50
